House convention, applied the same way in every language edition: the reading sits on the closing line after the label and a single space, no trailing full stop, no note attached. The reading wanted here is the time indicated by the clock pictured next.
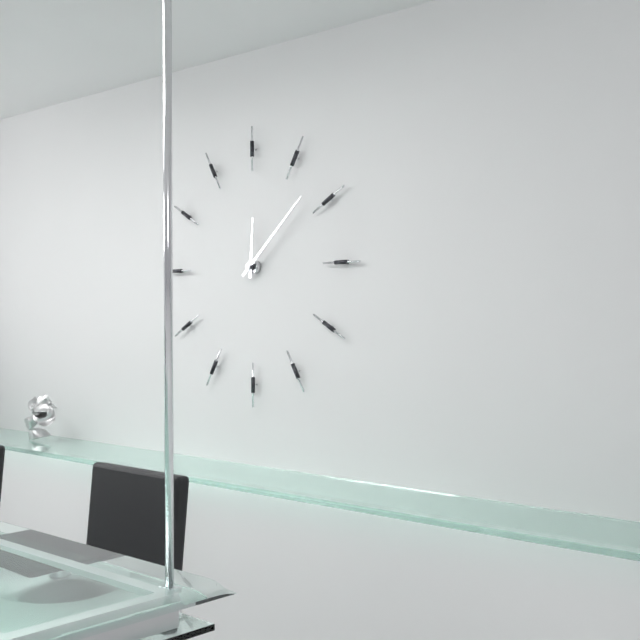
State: 12:08
